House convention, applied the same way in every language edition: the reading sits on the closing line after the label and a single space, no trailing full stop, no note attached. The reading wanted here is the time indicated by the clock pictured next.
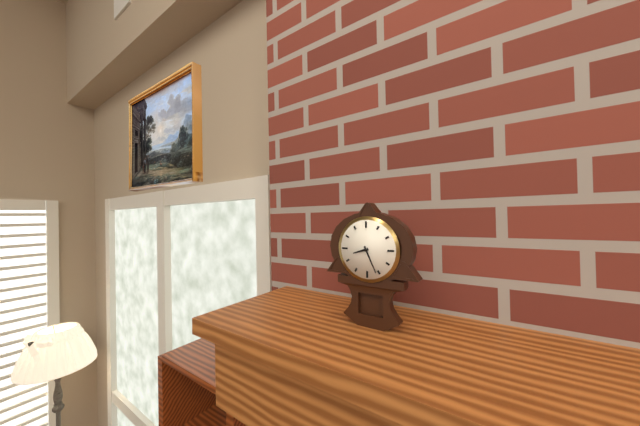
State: 8:26
